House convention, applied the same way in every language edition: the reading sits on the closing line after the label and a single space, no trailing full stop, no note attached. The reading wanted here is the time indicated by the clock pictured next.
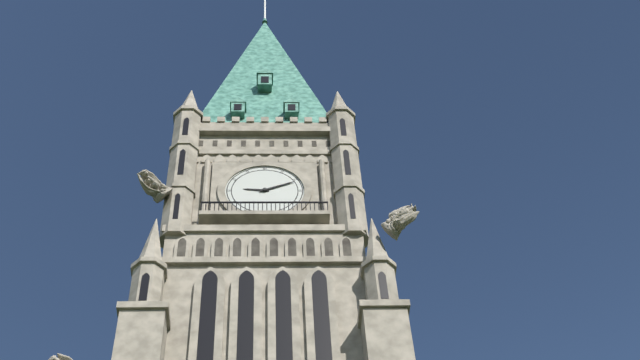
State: 9:11
